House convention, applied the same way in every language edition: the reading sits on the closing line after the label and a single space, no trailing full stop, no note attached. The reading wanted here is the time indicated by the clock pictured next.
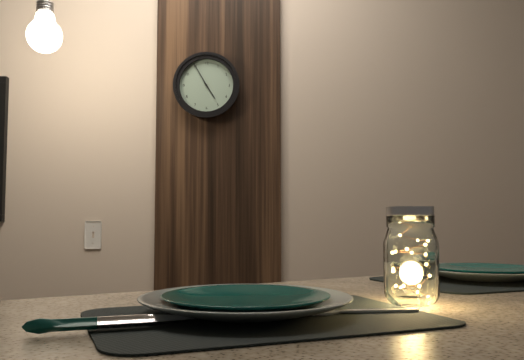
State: 4:55
